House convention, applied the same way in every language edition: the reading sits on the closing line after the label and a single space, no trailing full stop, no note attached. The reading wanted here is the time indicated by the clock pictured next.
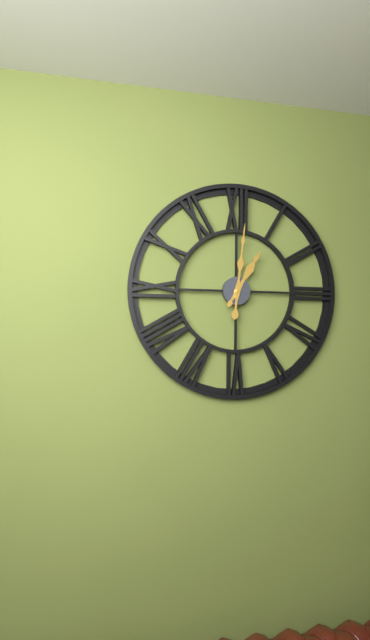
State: 1:01
